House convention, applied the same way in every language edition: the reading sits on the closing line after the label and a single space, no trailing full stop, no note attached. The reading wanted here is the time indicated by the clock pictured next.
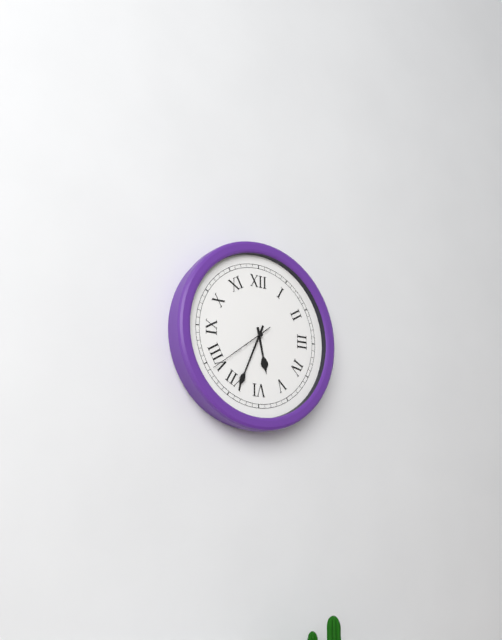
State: 5:34:39
